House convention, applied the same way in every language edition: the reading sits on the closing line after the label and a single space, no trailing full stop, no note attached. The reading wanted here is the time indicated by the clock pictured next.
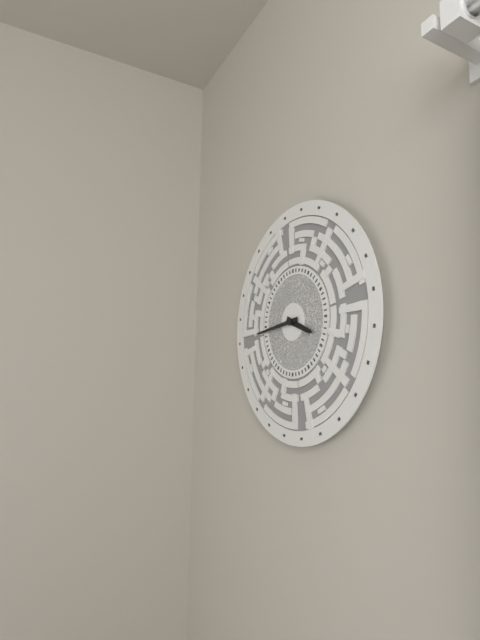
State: 3:44
